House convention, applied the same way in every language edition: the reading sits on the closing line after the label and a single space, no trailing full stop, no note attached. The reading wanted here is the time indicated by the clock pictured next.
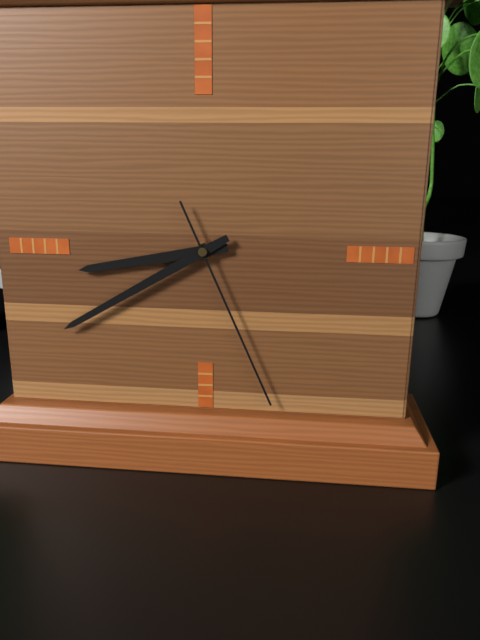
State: 8:40:26
